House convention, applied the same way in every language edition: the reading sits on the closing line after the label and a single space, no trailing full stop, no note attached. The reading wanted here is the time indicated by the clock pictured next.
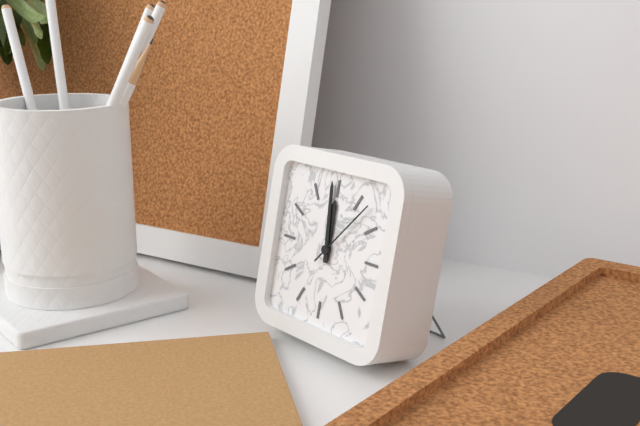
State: 11:59:07
